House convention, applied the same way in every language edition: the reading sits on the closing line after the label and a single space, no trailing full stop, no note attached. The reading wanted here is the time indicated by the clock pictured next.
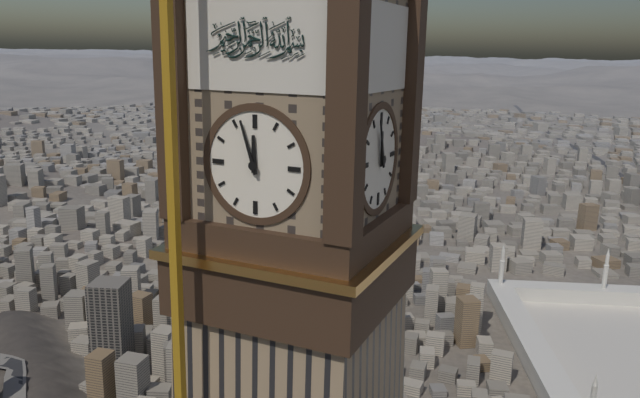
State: 11:57
